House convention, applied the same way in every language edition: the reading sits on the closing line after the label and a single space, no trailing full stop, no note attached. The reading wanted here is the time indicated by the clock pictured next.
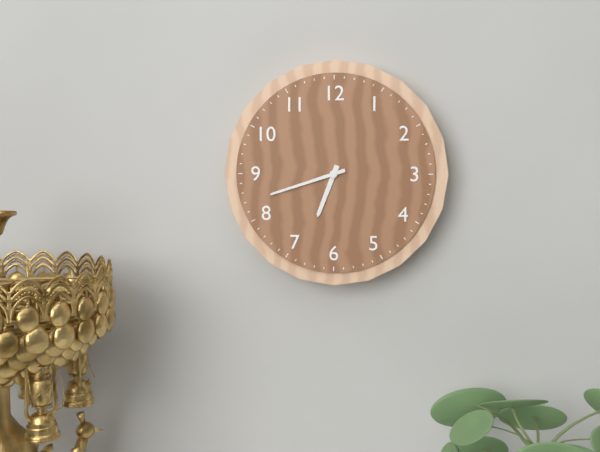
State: 6:42
